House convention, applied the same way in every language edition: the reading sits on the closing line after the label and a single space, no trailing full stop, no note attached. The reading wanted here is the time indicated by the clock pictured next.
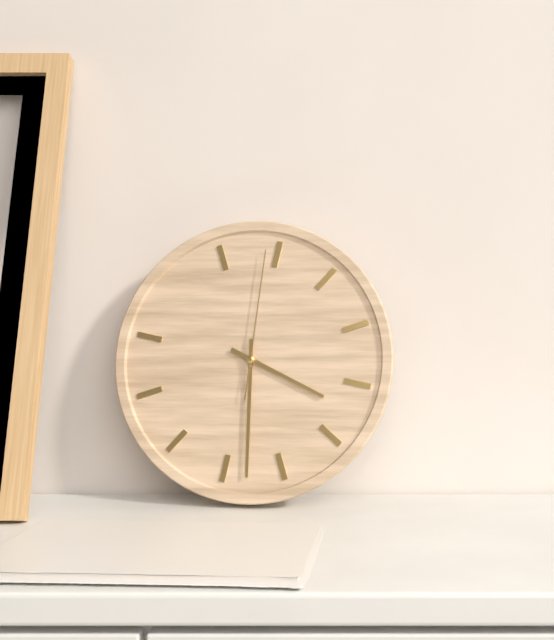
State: 3:28:59
